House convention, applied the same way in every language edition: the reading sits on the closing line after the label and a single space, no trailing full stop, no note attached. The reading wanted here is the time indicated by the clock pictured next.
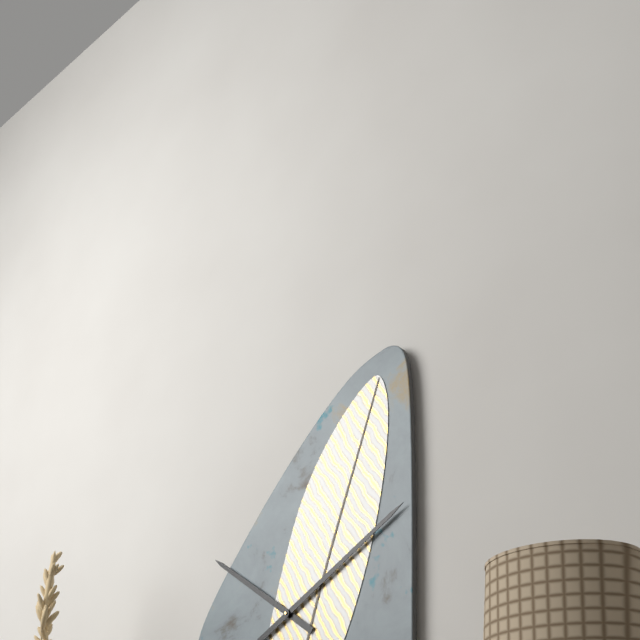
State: 10:10
